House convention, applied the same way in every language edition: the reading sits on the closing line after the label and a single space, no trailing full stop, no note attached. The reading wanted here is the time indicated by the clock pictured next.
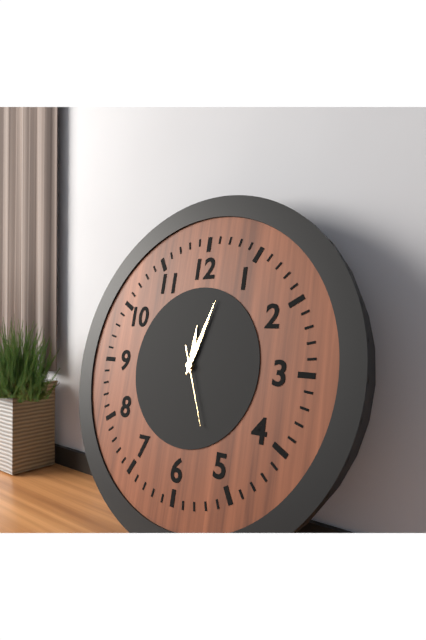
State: 12:03:26
